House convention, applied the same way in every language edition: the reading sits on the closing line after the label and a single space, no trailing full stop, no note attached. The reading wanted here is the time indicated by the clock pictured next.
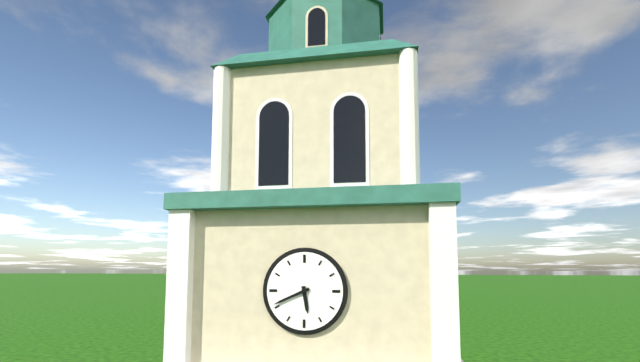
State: 5:41
